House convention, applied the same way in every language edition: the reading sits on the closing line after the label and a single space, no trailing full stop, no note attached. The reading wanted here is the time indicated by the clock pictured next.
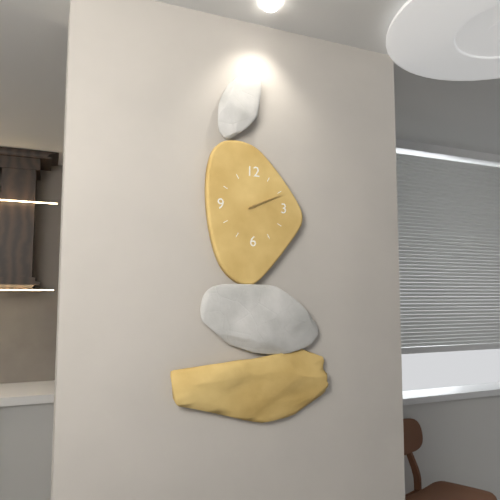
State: 2:11
